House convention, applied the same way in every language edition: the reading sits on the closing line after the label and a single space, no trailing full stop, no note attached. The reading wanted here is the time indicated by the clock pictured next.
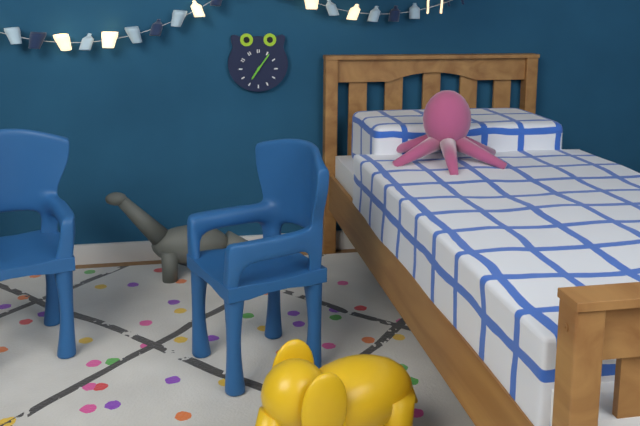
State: 7:06
